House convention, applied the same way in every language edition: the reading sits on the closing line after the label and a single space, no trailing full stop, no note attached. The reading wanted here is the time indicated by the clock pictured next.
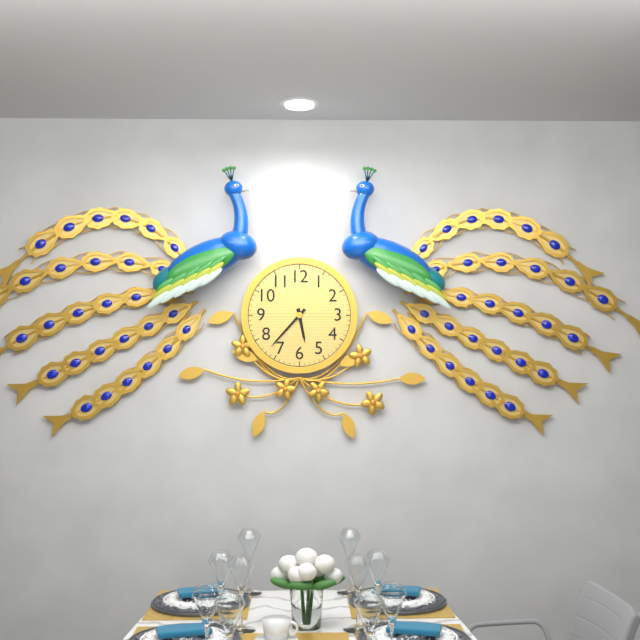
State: 5:37
